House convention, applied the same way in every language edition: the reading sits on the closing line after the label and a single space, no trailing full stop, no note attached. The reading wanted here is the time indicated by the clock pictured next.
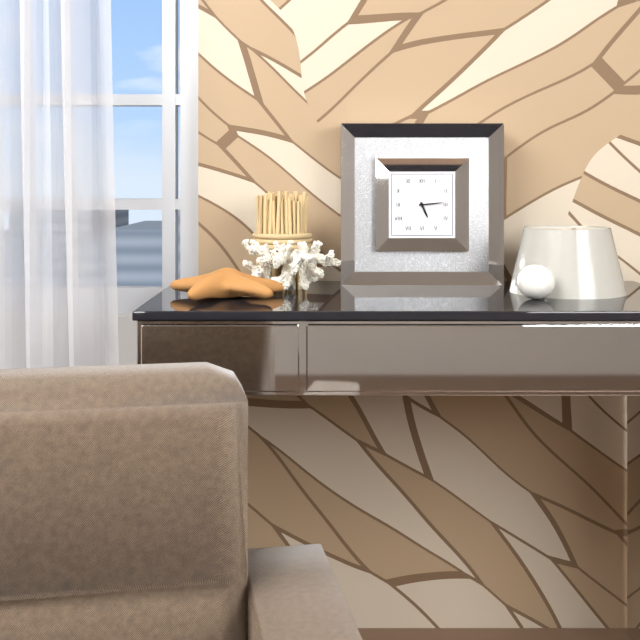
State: 5:14
